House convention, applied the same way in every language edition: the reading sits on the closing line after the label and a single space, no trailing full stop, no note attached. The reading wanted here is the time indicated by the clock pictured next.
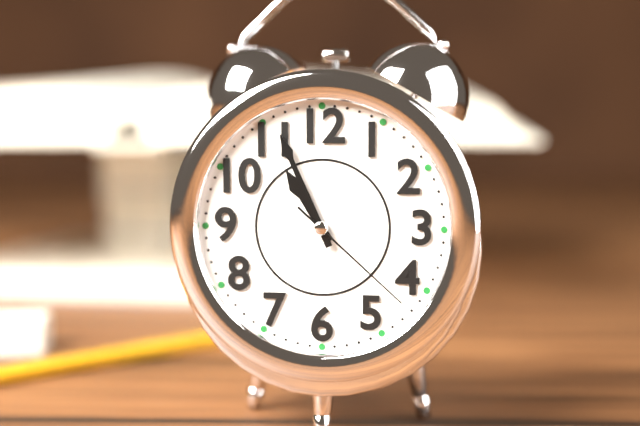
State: 10:56:22
